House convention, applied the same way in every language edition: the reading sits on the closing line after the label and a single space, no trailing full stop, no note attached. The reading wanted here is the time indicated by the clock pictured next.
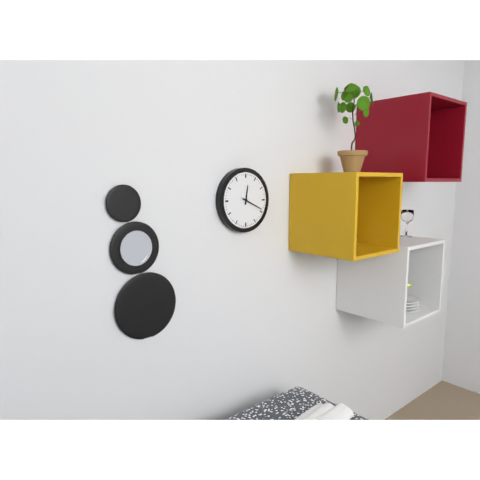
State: 12:19
